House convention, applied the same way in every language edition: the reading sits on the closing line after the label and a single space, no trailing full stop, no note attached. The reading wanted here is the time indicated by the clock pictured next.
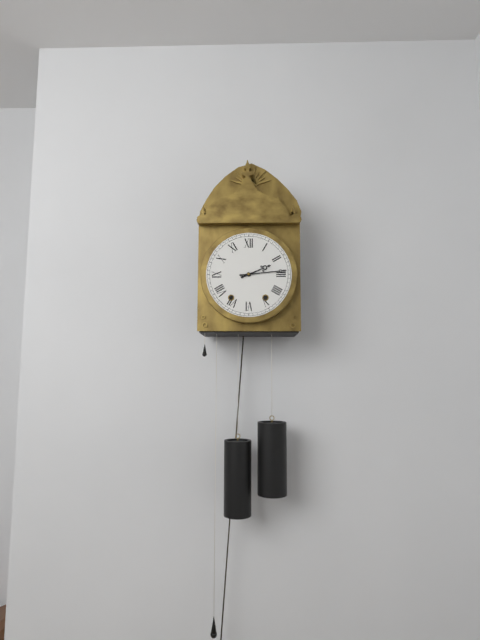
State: 2:14
